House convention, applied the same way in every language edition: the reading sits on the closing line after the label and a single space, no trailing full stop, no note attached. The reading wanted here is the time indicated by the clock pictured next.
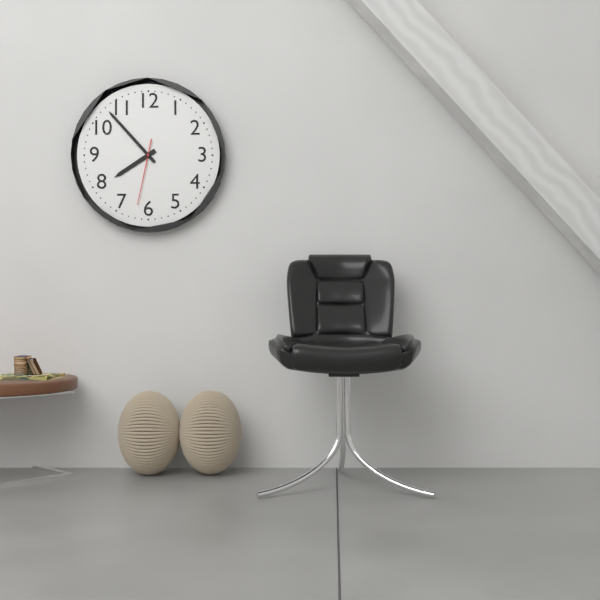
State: 7:53:32
